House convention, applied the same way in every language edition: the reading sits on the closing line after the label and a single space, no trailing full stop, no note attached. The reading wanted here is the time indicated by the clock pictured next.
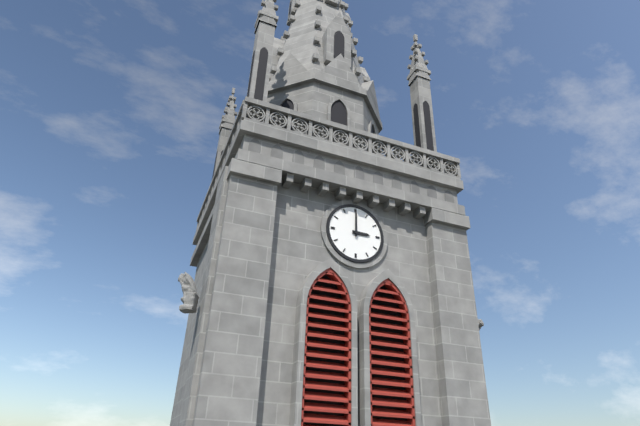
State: 3:00
